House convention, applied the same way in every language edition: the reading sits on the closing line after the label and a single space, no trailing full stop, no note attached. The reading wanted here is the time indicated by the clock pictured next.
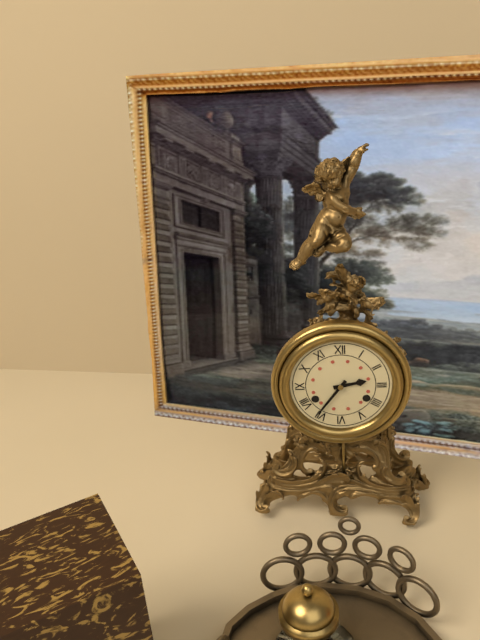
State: 2:36
